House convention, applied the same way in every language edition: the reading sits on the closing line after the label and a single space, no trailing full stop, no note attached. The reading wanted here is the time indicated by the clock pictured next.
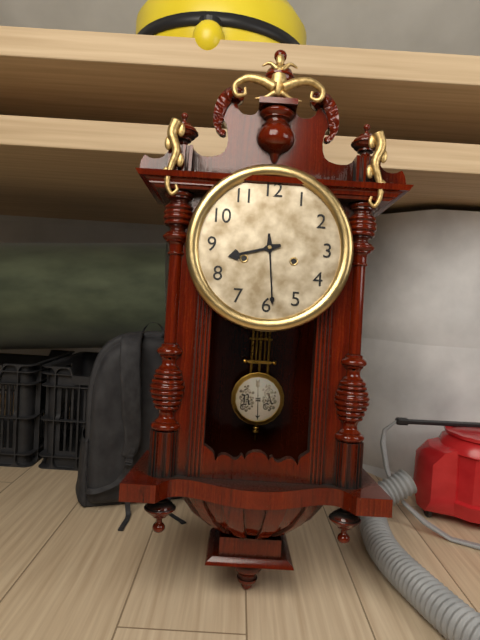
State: 8:29
